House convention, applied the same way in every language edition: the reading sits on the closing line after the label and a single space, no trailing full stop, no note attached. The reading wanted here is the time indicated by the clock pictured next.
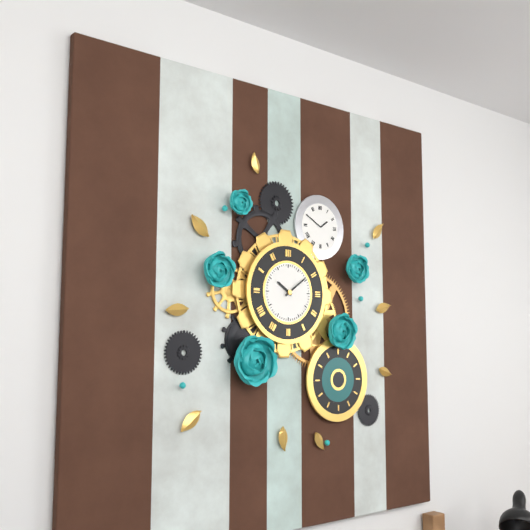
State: 10:09
